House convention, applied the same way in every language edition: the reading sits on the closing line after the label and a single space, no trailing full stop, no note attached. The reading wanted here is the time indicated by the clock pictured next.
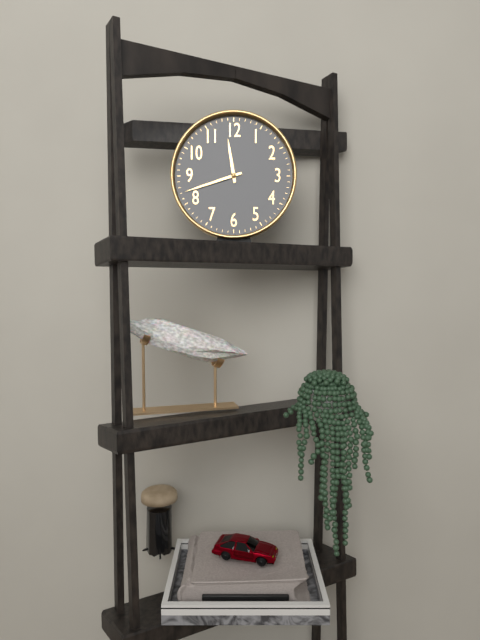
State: 11:42
